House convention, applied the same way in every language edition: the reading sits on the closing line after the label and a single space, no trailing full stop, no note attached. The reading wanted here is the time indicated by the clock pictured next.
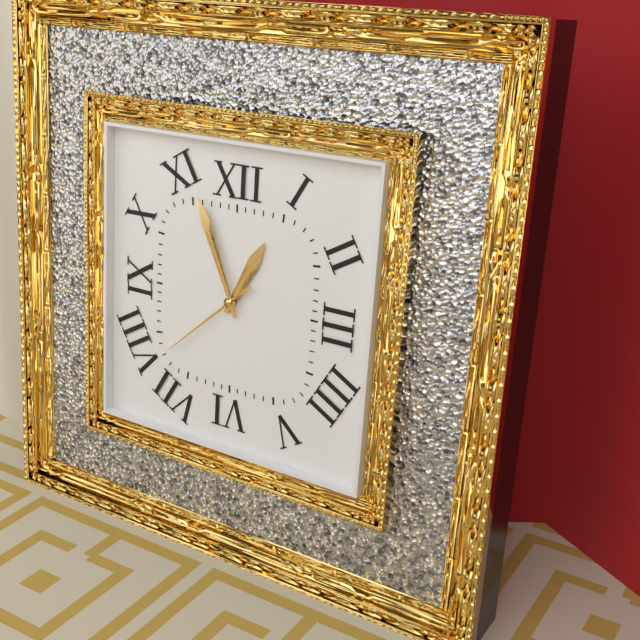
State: 12:56:38
